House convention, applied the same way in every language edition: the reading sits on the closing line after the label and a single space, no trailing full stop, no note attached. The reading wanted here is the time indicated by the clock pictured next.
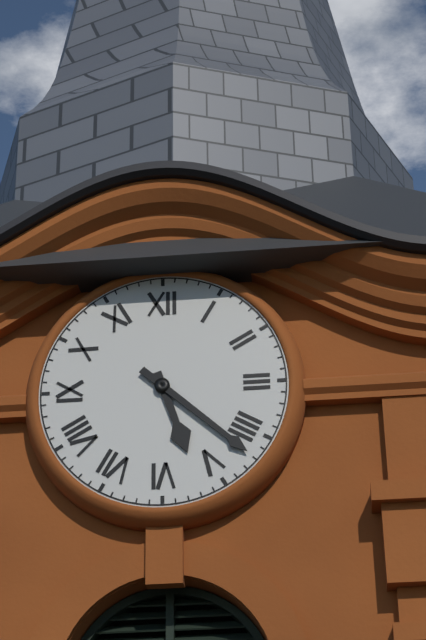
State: 5:22
